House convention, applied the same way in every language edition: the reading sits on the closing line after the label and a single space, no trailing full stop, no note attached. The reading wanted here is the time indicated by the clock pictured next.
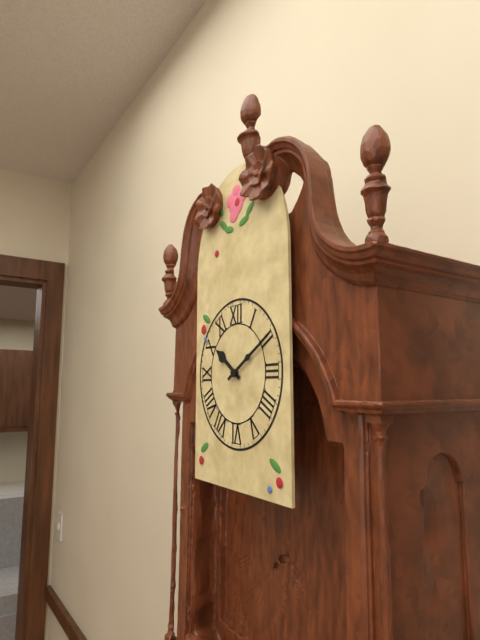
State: 10:10
